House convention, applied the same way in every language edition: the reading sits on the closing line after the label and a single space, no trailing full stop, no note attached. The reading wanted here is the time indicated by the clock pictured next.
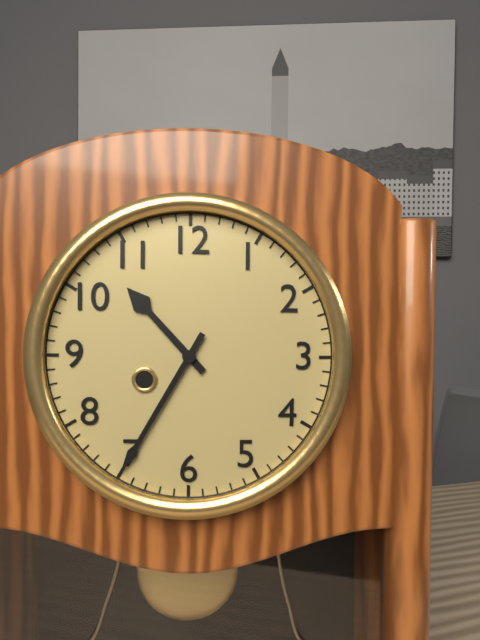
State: 10:35
